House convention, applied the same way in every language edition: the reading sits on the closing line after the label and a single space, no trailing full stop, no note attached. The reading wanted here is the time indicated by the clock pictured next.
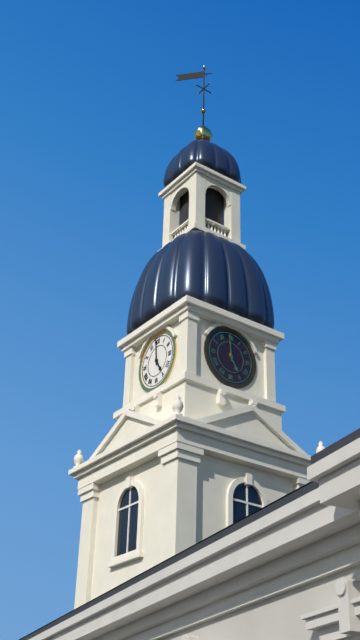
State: 4:59
